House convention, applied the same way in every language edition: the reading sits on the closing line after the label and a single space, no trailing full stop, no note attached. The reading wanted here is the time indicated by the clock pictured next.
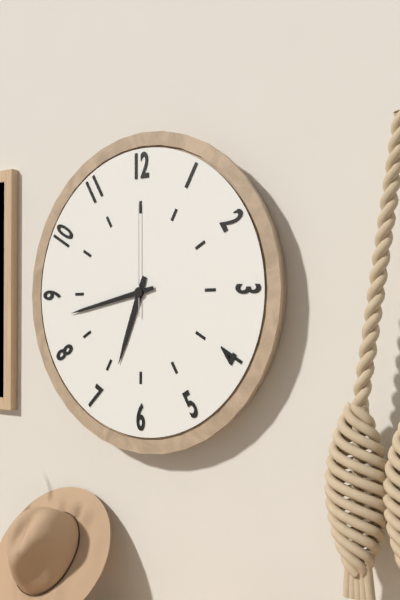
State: 6:43:00
